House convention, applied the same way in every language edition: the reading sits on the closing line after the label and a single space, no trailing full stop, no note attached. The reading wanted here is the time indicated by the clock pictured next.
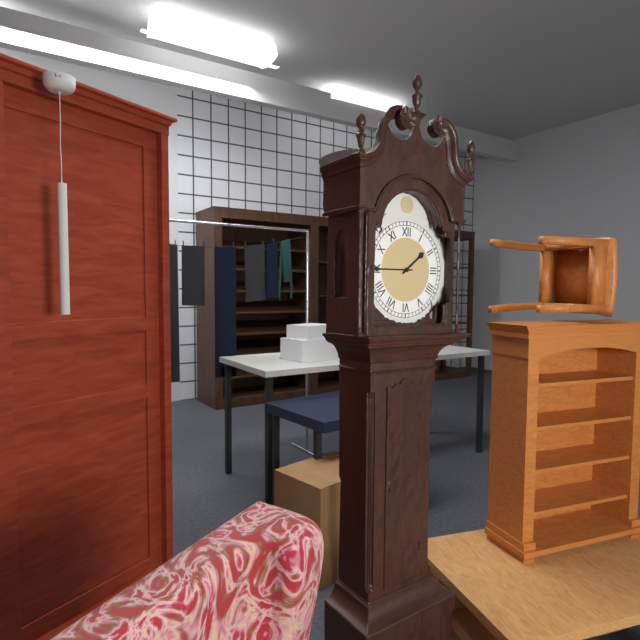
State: 1:45
